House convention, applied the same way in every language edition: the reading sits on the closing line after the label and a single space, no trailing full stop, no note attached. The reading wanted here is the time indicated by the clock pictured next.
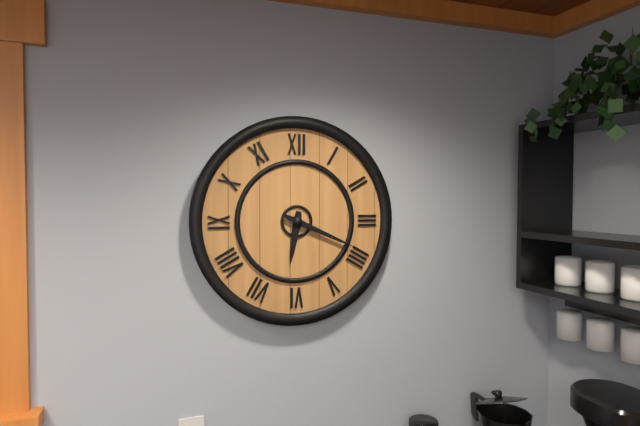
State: 6:19
